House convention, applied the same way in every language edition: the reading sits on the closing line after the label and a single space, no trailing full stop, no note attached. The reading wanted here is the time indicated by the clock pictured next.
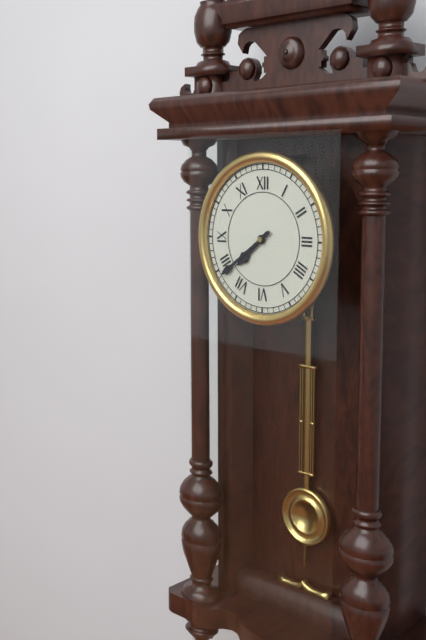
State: 7:39
